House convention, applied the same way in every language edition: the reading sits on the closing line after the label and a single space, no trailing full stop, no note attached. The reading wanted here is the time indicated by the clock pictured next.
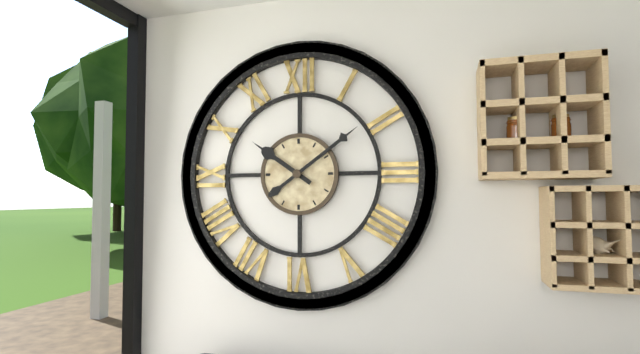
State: 10:09
